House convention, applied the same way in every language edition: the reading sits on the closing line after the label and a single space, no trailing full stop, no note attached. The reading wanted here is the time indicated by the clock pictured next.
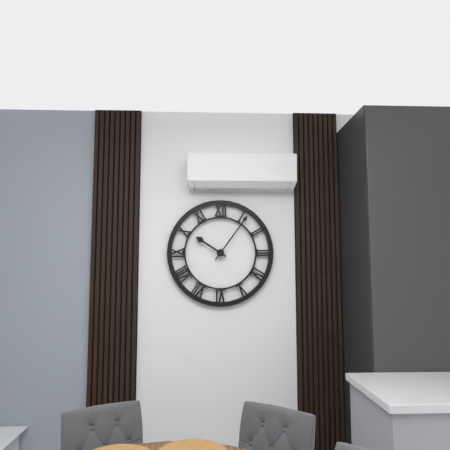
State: 10:06
